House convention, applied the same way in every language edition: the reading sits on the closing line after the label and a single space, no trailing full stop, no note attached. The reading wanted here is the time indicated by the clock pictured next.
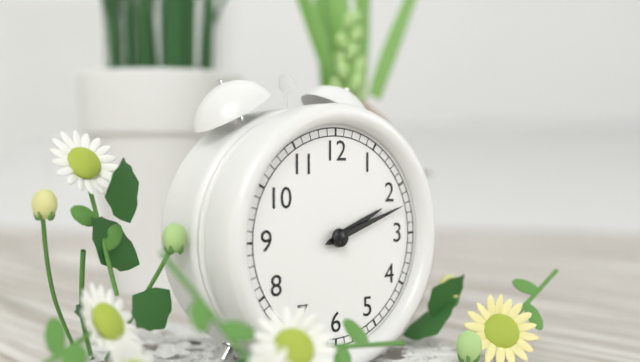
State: 2:12
